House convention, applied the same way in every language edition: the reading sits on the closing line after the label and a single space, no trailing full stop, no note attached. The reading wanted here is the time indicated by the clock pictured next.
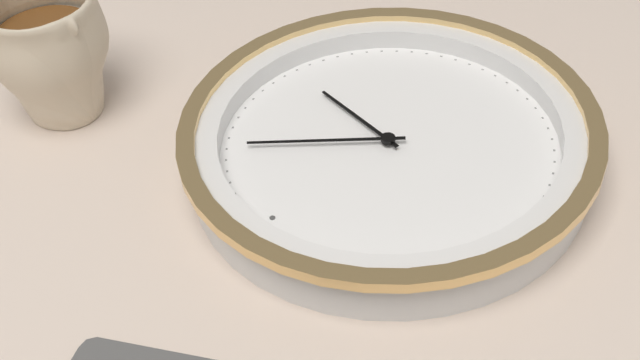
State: 3:07
